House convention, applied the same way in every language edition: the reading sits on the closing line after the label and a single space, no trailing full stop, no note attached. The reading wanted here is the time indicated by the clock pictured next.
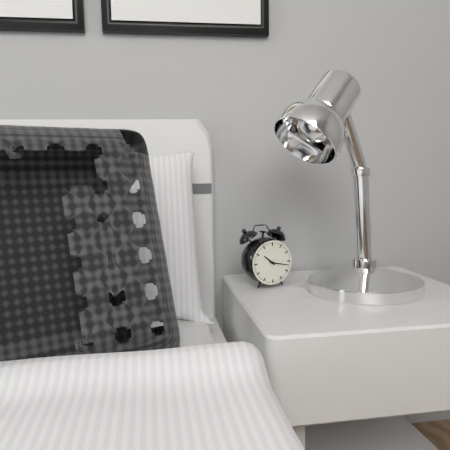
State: 10:17
